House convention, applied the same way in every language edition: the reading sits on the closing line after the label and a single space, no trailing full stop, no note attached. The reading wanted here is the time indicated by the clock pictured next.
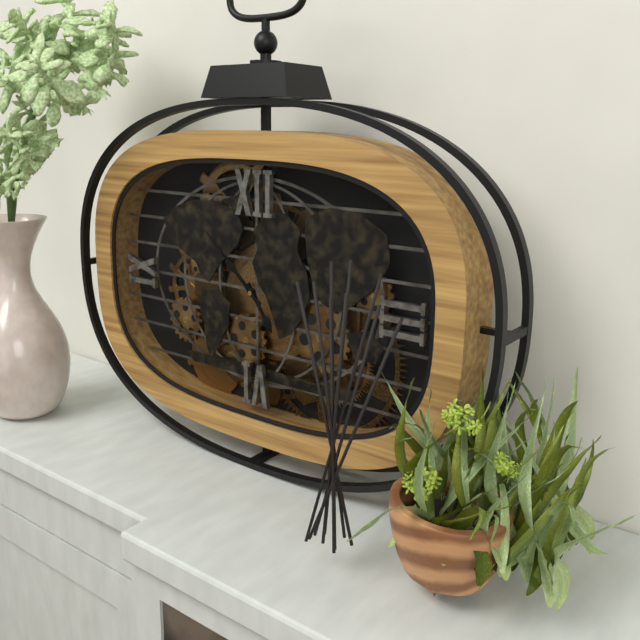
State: 4:52
